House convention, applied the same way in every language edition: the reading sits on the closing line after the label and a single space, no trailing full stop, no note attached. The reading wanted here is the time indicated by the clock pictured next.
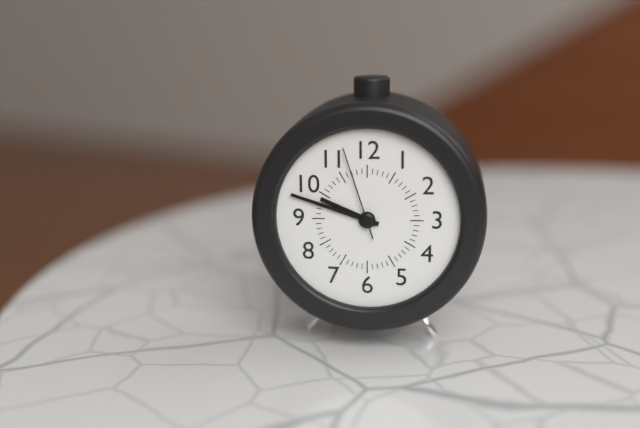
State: 9:48:57
